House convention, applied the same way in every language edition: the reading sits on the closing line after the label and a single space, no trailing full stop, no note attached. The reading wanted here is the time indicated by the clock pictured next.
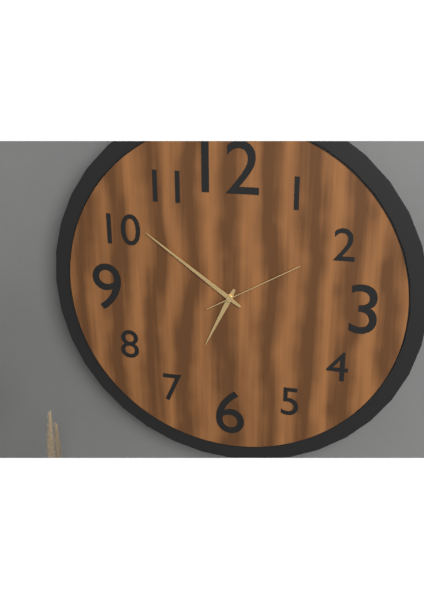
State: 6:51:10
